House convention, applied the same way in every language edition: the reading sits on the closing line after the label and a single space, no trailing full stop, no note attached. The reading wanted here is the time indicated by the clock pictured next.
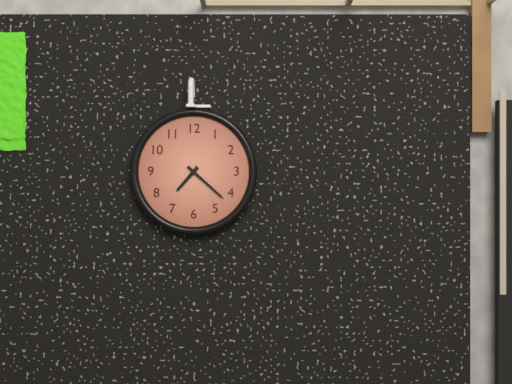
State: 7:22
